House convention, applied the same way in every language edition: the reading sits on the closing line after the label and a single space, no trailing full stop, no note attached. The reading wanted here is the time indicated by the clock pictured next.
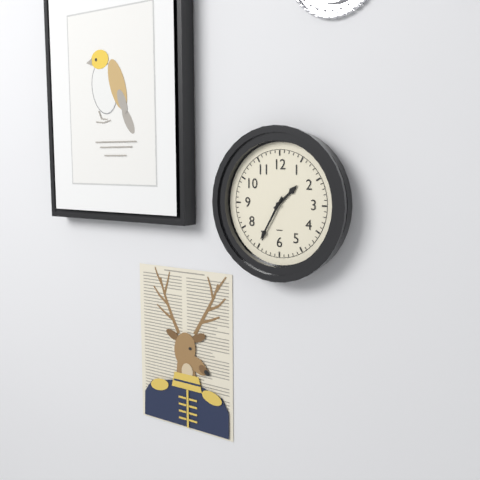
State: 1:35
